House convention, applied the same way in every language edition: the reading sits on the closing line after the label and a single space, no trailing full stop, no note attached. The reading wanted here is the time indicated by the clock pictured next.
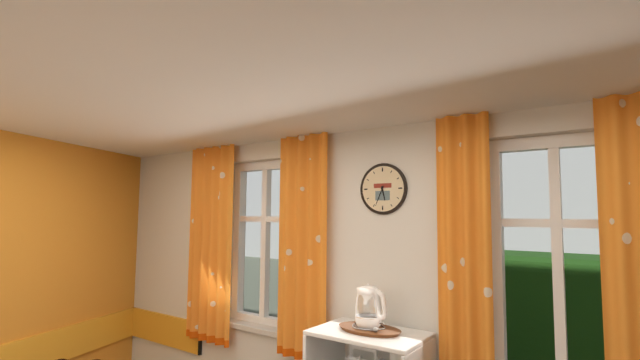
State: 5:34
